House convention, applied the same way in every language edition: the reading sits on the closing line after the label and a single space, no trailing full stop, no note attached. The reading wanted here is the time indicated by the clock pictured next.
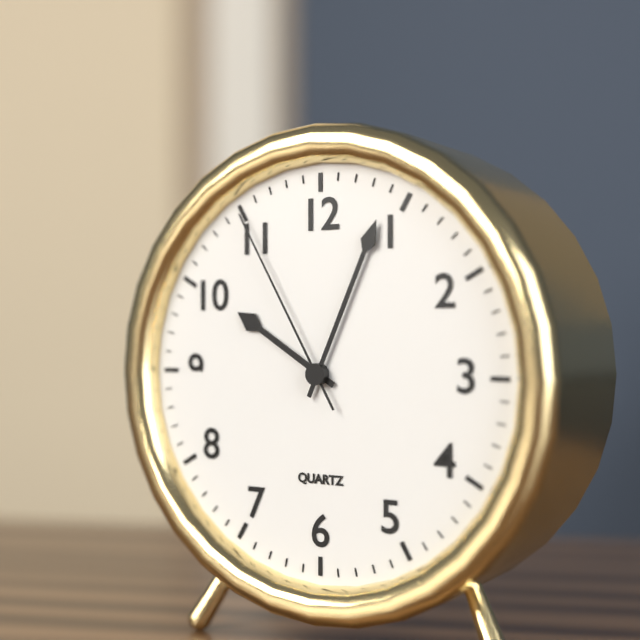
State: 10:04:55
